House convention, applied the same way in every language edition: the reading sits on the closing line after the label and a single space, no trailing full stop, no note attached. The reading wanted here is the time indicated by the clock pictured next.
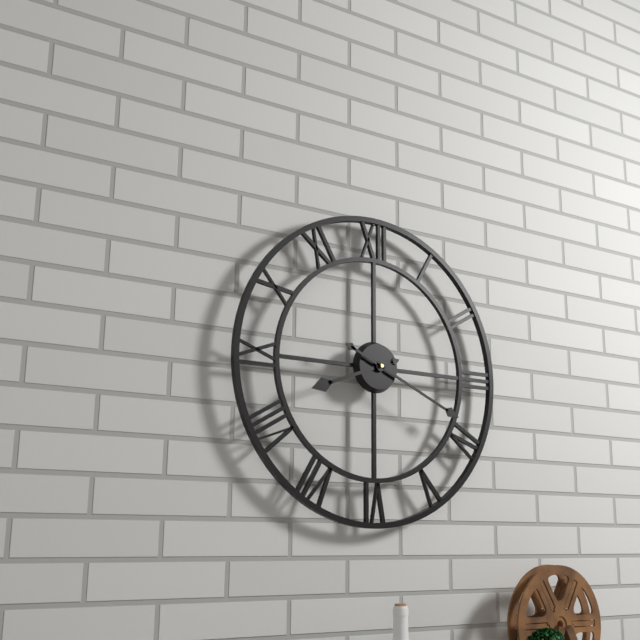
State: 8:19
